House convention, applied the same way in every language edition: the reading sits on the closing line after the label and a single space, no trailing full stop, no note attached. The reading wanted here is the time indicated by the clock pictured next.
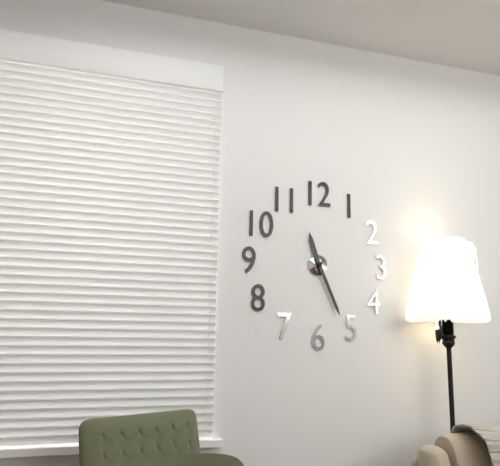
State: 11:26
